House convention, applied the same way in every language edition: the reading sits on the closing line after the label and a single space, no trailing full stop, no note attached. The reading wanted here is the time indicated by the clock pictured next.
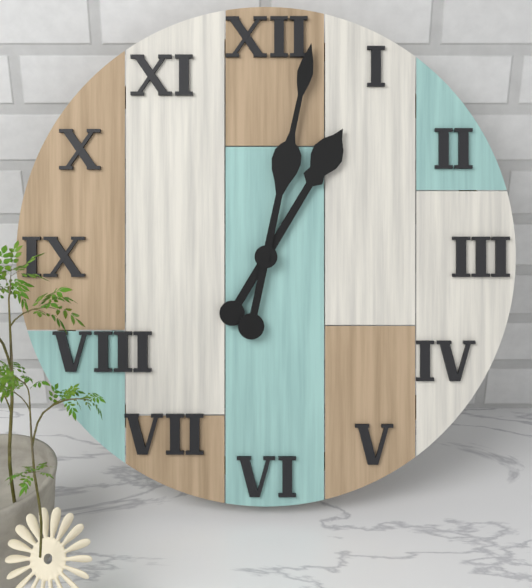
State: 1:02
